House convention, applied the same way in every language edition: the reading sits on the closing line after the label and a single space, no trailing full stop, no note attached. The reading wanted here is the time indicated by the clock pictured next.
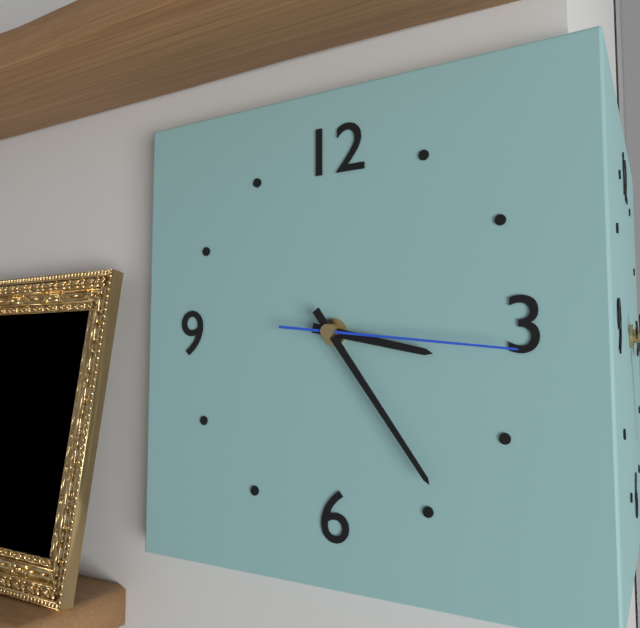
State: 3:24:16
